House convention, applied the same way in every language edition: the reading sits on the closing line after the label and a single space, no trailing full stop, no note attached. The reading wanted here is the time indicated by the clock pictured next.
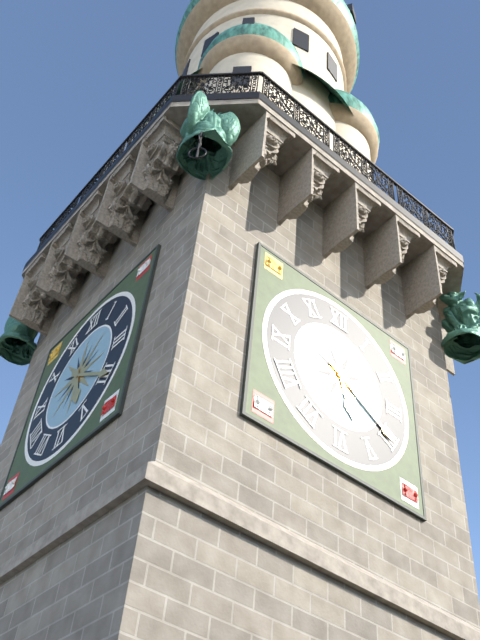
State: 5:20
